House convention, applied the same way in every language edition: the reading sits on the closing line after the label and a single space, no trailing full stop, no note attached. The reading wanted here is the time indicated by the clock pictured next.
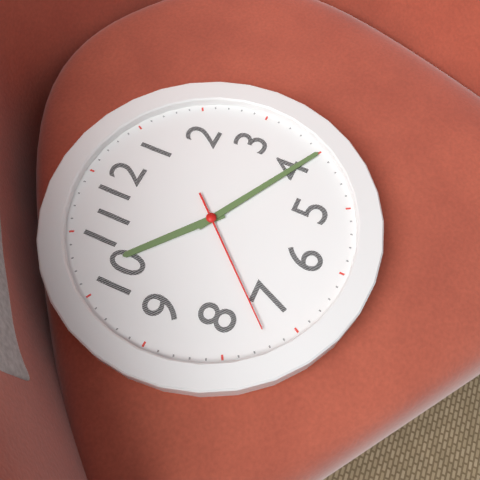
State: 10:20:37
